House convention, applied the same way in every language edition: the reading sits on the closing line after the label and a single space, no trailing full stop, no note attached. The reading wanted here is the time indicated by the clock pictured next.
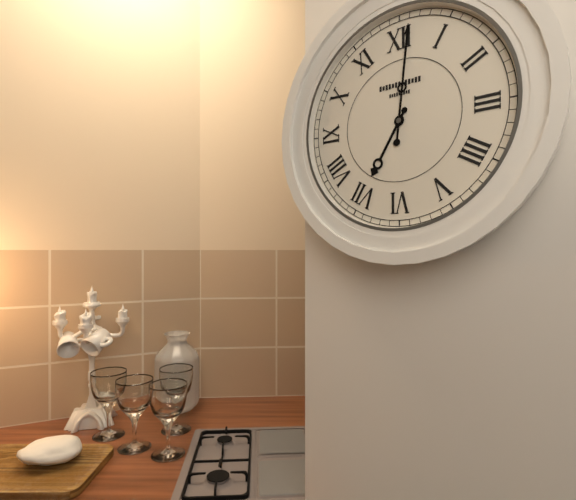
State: 7:01
